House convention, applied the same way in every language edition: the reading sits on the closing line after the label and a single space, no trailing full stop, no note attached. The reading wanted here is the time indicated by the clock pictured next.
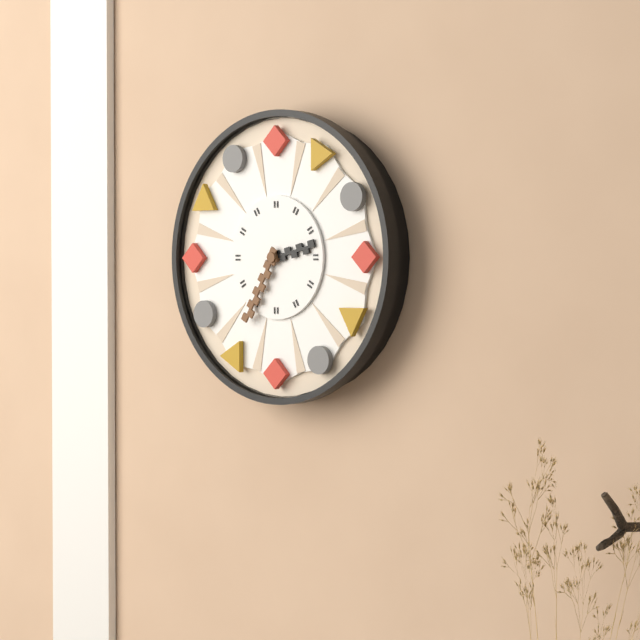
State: 2:35
